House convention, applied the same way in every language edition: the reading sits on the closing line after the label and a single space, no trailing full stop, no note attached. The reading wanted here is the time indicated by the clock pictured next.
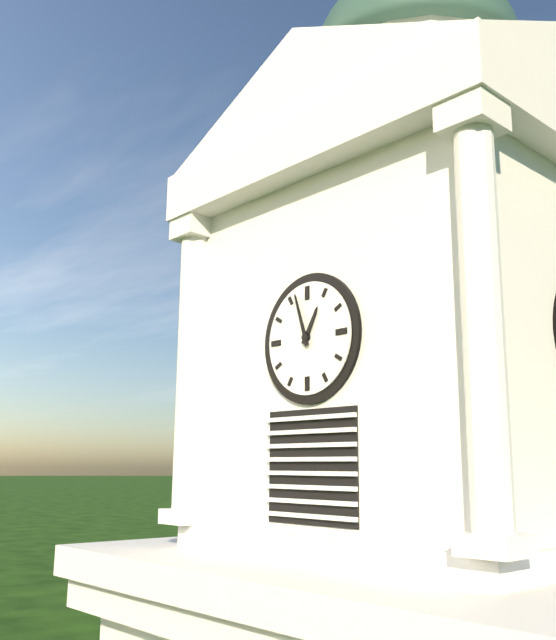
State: 12:57
